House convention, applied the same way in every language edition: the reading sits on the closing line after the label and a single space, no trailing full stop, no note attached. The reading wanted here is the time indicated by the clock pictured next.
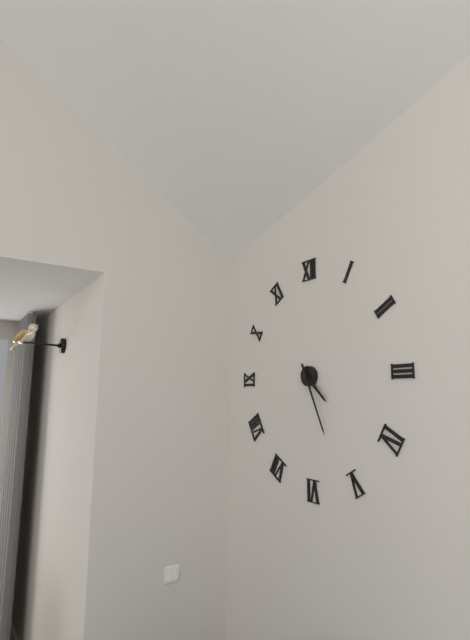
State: 4:26
